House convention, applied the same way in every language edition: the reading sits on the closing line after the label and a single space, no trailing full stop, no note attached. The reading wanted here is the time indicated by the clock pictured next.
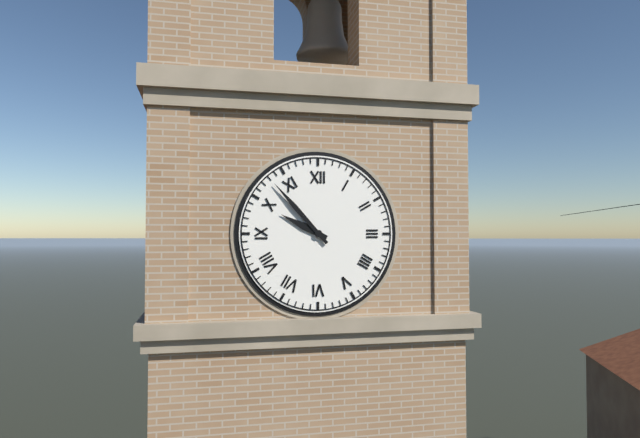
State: 9:53
